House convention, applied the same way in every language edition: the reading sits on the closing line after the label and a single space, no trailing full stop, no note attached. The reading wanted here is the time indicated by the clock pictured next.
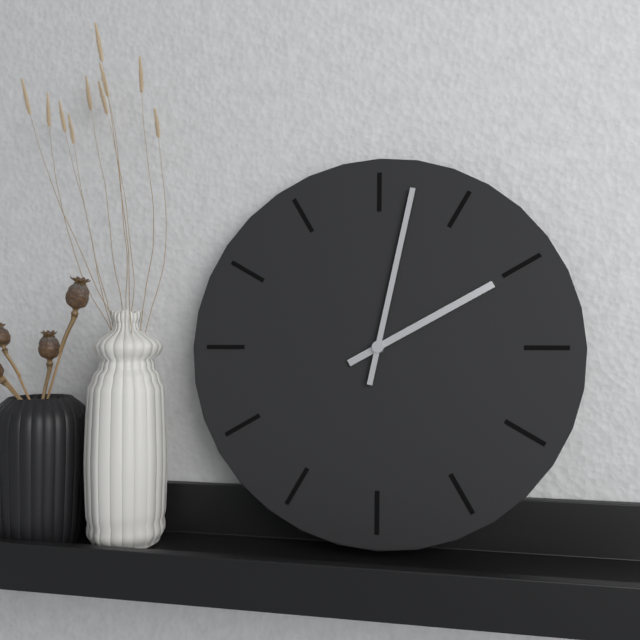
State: 2:02
